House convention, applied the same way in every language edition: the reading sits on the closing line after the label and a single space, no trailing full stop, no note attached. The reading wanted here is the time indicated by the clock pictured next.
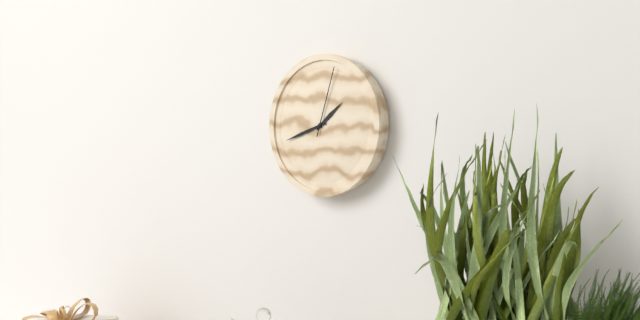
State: 1:42:03
